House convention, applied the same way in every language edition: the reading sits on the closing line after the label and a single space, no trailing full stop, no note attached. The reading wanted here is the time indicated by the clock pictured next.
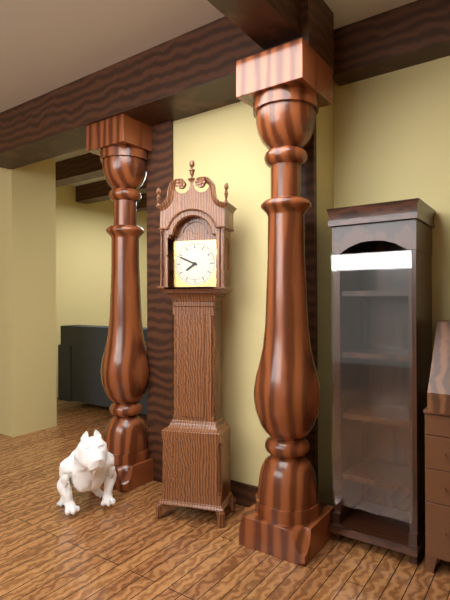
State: 7:49
